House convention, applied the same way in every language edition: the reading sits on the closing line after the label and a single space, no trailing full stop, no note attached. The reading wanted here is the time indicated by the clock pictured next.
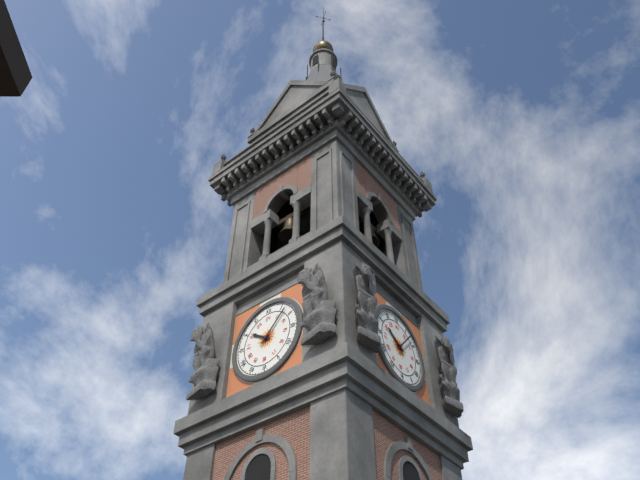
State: 10:07
